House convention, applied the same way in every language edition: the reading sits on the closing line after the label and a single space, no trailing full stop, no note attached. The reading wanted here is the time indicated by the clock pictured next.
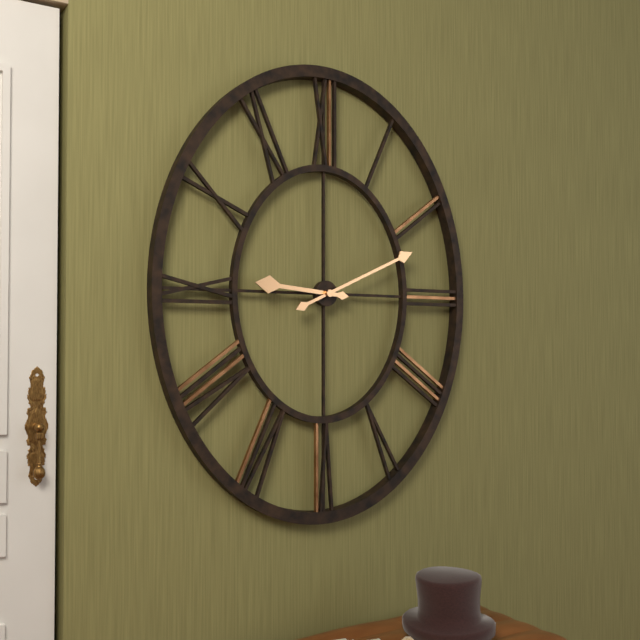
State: 9:11
